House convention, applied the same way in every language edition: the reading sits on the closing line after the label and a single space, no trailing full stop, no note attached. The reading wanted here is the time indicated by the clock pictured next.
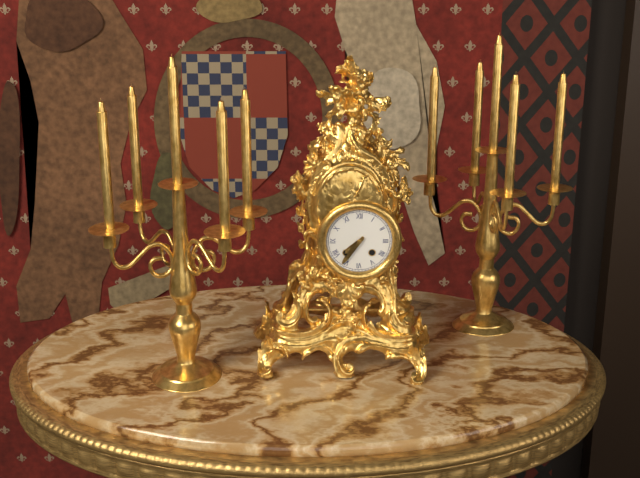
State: 7:36
